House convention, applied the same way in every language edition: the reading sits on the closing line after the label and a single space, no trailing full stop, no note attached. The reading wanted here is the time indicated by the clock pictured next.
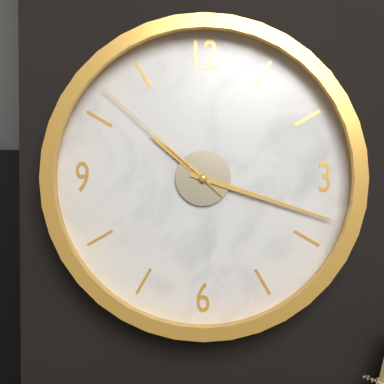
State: 10:18:52
